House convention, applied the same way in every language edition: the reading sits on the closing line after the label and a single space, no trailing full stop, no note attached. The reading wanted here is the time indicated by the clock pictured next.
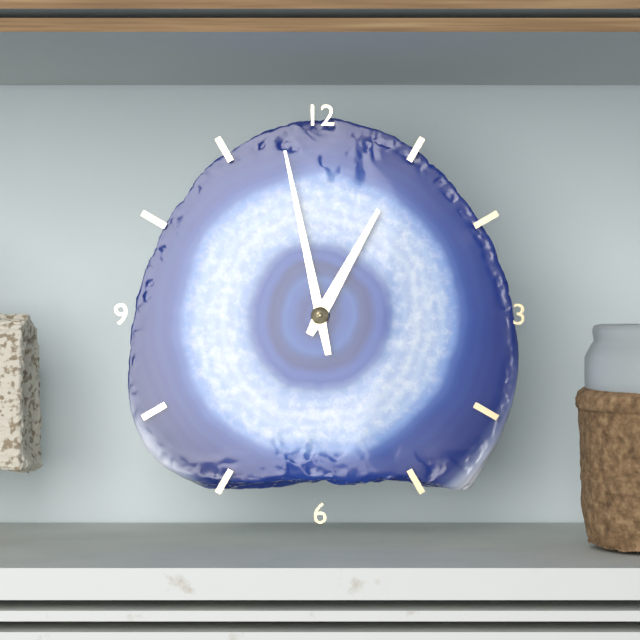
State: 12:58
